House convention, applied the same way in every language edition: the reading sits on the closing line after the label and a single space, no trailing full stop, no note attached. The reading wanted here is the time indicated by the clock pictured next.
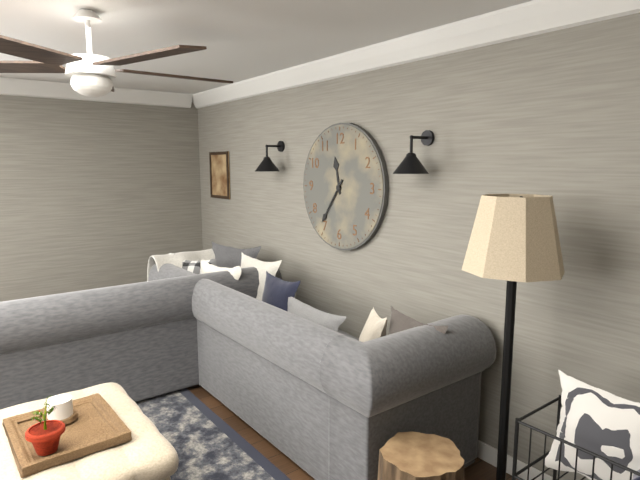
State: 11:36
